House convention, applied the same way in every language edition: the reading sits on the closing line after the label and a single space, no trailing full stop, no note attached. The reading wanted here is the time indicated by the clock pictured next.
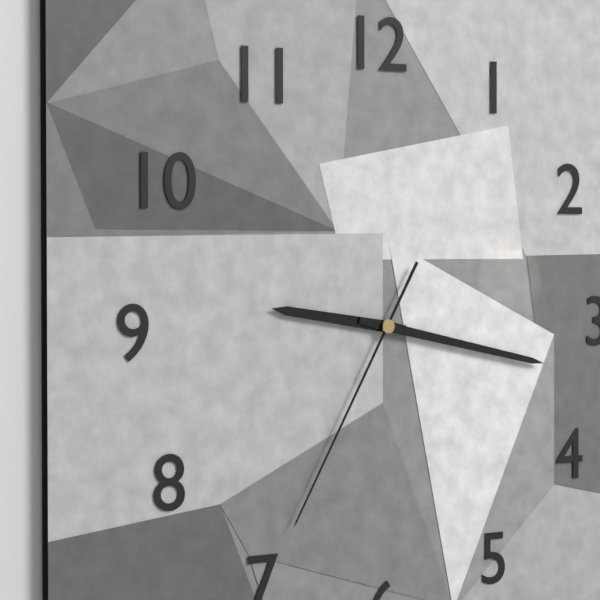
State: 9:17:35
